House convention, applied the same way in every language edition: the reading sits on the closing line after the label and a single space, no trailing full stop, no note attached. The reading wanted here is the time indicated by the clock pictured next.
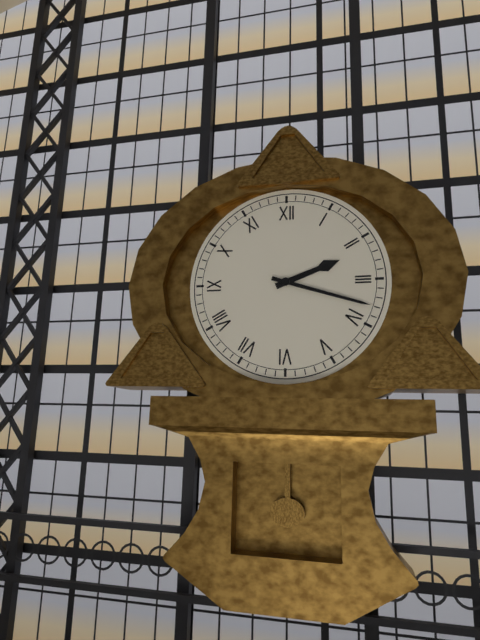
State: 2:18
